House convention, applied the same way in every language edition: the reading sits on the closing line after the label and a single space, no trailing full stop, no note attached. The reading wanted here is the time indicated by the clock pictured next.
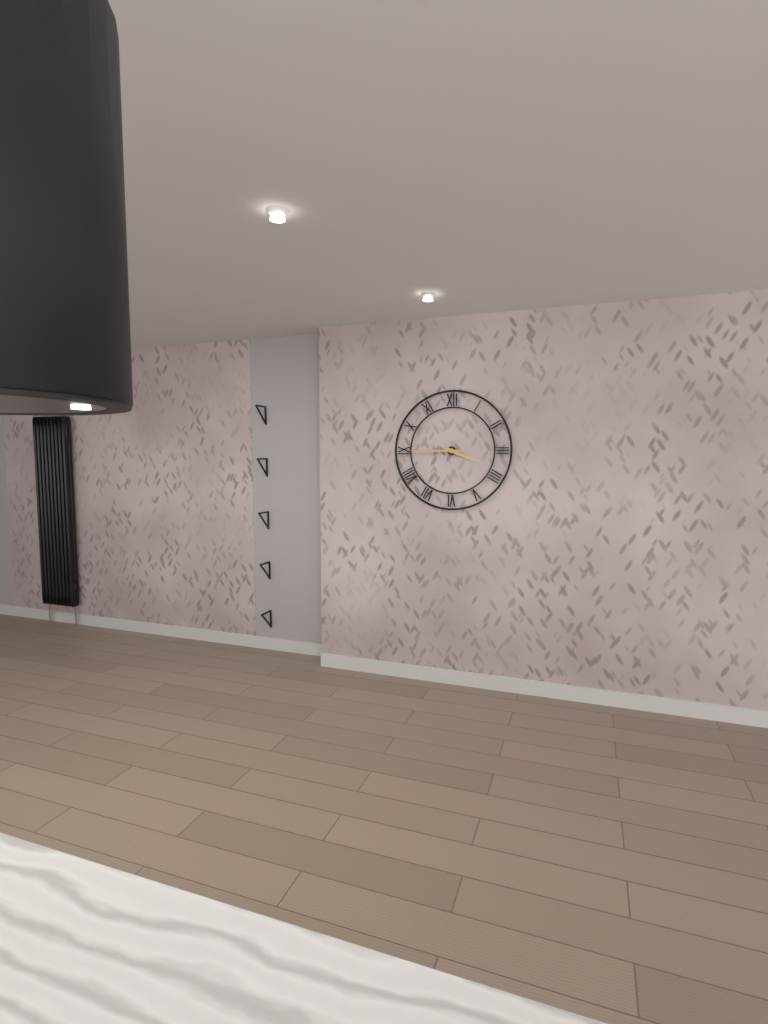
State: 3:45
